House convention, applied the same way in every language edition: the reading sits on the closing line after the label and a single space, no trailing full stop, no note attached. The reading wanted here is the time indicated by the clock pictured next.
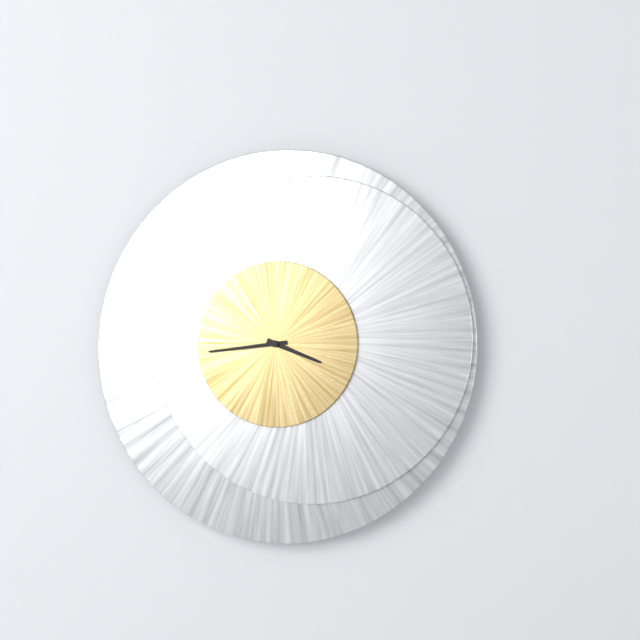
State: 3:44
